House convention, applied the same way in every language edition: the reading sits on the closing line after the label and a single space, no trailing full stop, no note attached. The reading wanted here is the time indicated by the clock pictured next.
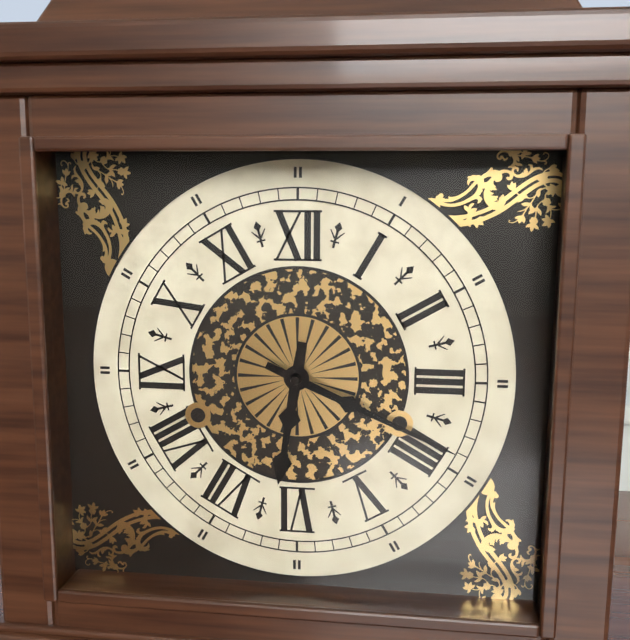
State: 6:19
